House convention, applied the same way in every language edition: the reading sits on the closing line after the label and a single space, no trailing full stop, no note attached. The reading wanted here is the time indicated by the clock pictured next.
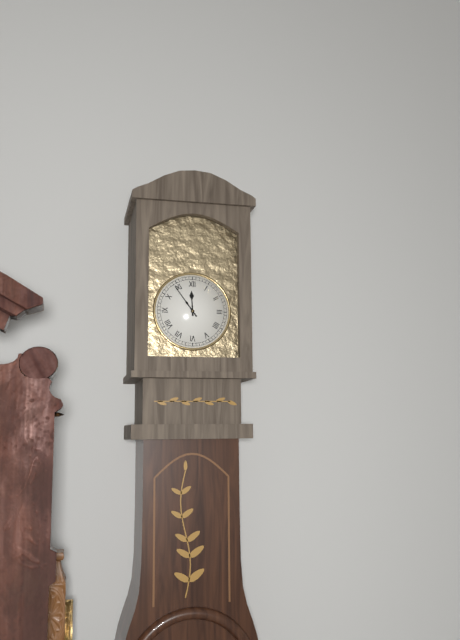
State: 11:54
